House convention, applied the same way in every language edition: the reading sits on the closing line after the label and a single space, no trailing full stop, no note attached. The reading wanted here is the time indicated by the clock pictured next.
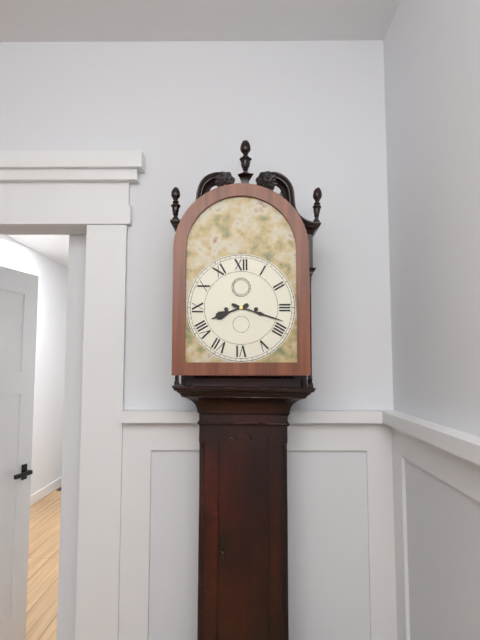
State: 8:18
